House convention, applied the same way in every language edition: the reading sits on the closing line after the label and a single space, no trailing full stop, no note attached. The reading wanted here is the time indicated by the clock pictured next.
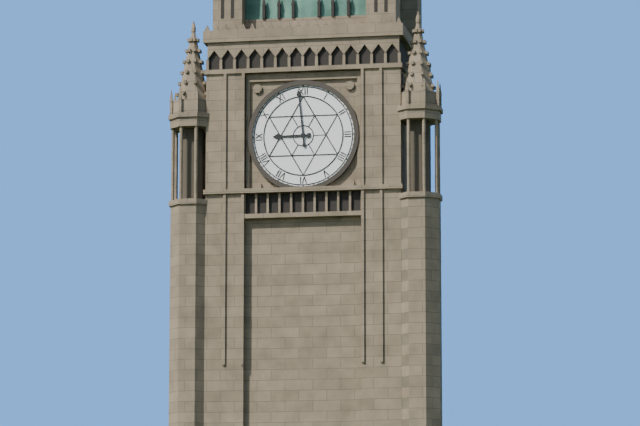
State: 8:59
